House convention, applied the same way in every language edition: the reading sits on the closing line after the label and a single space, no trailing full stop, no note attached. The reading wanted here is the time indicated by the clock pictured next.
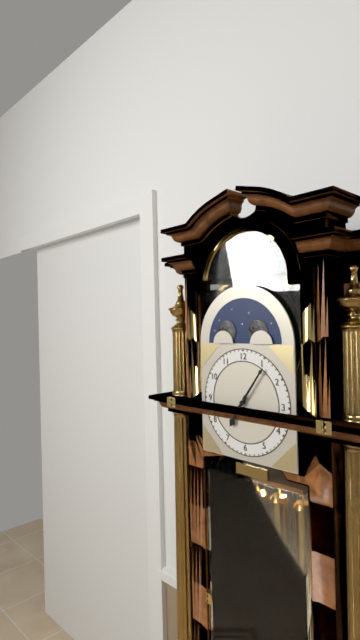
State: 7:06
